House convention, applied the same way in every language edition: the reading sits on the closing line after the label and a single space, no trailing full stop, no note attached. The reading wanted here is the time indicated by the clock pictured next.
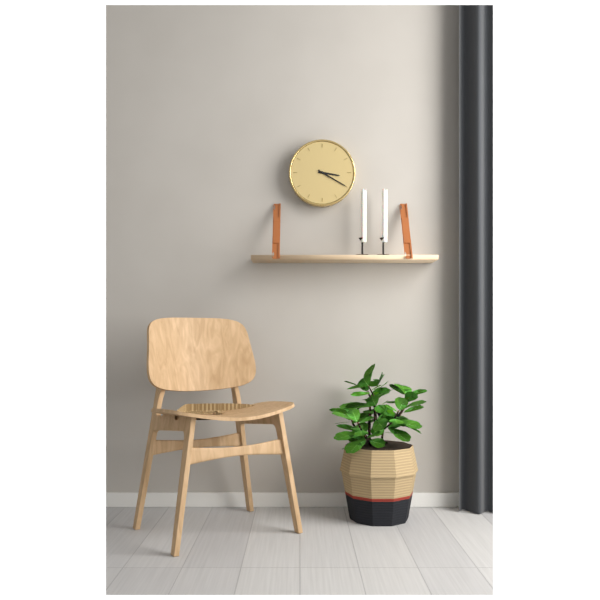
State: 3:20
